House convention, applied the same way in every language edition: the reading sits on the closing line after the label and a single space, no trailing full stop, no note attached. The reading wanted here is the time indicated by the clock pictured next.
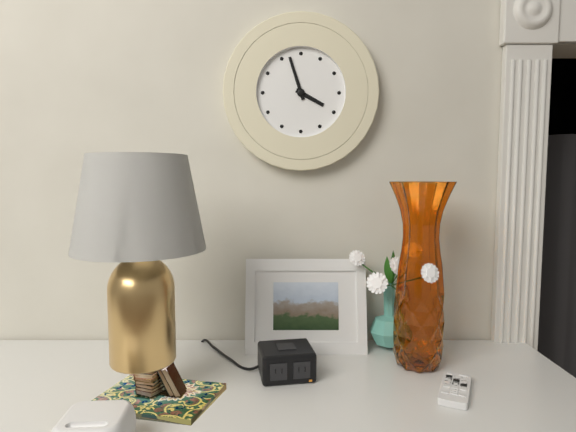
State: 3:57
